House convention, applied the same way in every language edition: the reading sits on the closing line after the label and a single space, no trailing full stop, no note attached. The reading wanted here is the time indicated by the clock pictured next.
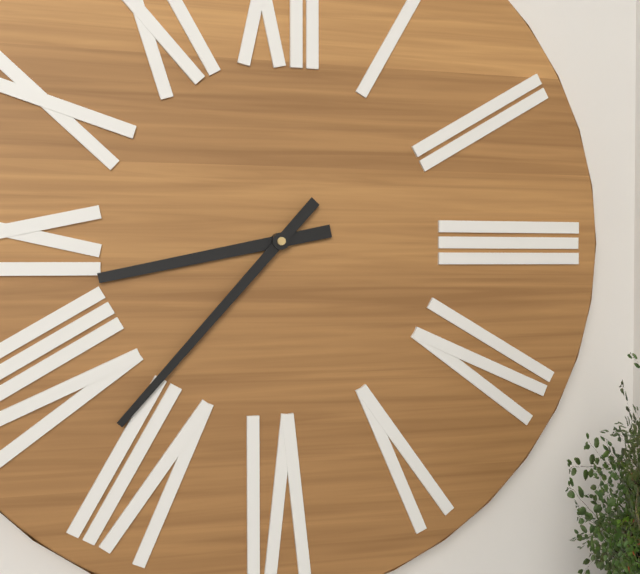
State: 8:37
